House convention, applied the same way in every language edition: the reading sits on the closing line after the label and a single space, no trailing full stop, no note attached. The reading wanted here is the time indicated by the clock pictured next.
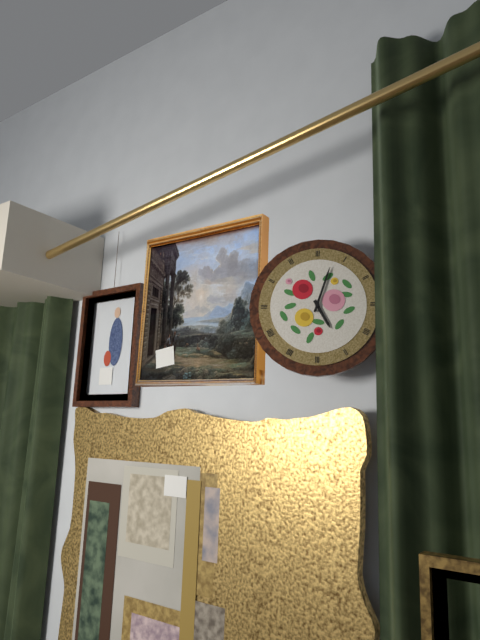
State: 5:03
